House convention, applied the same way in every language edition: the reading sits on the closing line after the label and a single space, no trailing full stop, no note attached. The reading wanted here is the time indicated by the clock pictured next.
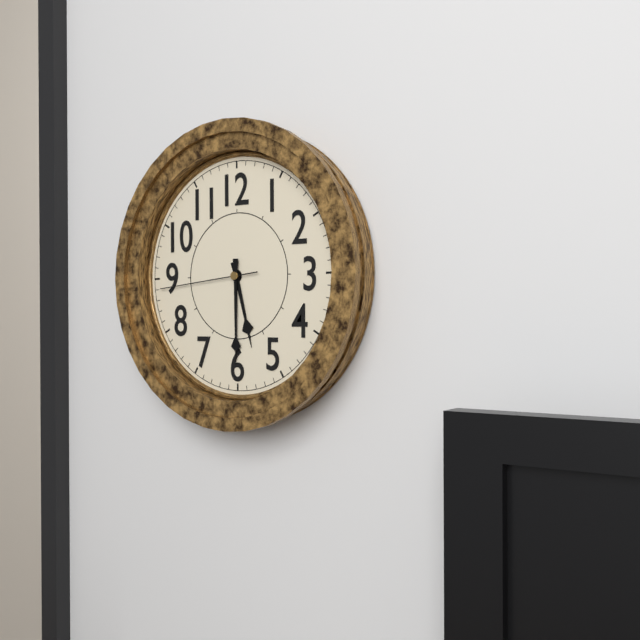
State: 5:30:44
